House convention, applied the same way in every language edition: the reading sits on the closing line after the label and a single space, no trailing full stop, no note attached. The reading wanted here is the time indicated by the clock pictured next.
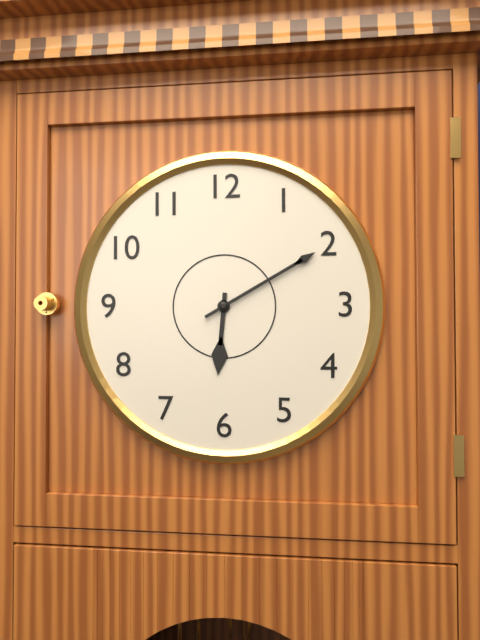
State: 6:10
